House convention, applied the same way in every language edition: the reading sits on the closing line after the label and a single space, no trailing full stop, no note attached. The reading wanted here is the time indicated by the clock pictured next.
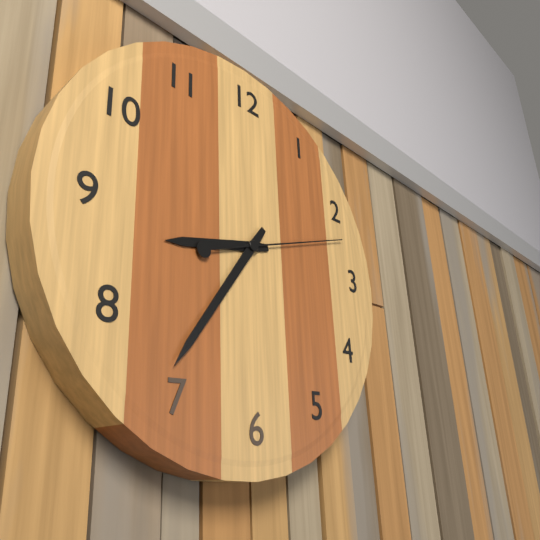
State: 8:36:12
